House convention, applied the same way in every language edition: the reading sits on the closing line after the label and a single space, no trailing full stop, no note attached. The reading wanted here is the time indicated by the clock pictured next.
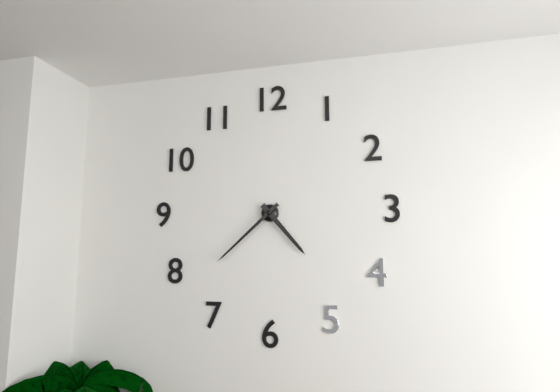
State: 4:38
